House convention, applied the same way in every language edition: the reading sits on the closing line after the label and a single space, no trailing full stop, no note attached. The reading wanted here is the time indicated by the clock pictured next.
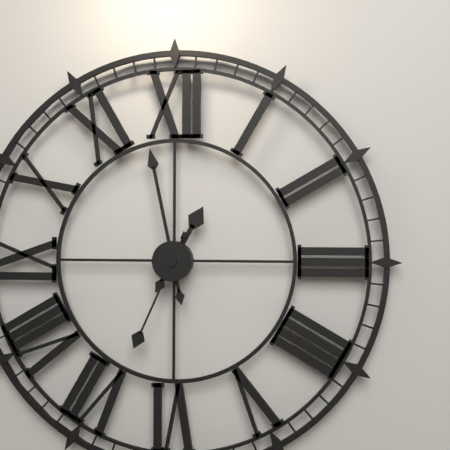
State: 12:58:34
